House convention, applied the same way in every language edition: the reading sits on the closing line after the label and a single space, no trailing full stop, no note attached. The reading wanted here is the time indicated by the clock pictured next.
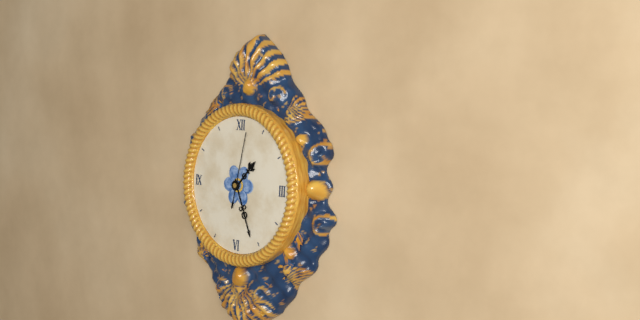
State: 1:26:02
